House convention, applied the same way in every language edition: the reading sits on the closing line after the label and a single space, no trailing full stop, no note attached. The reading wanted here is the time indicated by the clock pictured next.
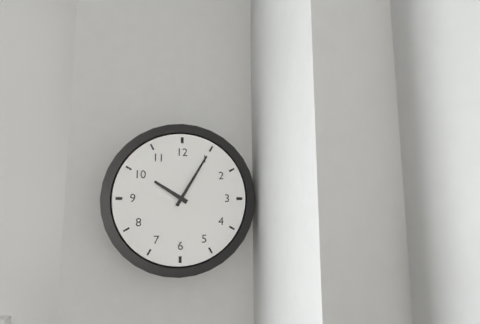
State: 10:05
